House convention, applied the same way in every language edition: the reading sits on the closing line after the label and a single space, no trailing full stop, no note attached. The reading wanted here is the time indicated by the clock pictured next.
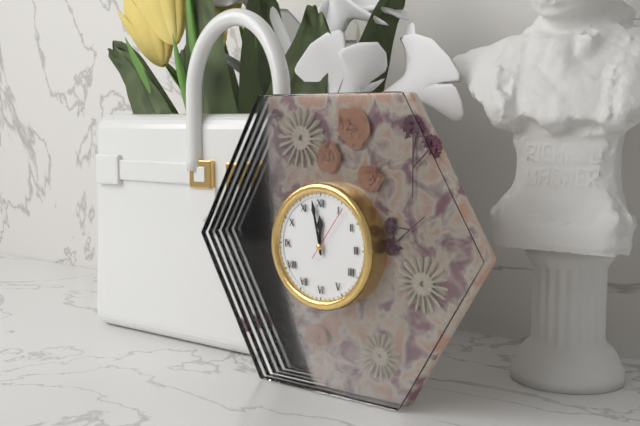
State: 11:58:06
